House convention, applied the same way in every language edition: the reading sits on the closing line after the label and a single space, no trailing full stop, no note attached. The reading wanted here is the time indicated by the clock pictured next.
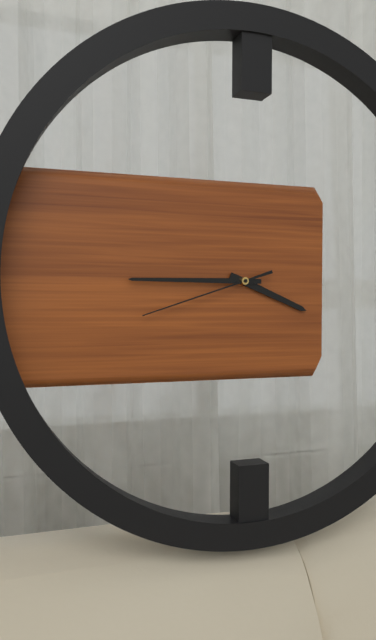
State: 3:45:42
